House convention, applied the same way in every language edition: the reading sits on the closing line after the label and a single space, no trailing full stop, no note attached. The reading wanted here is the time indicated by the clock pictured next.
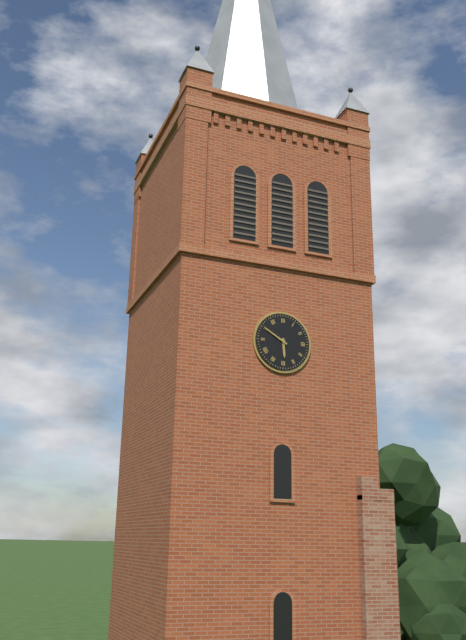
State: 5:50
